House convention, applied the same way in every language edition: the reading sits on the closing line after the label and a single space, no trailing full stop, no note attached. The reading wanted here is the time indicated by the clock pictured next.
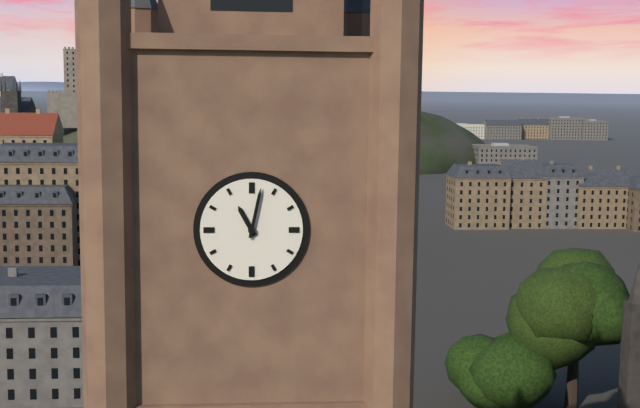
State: 11:02
